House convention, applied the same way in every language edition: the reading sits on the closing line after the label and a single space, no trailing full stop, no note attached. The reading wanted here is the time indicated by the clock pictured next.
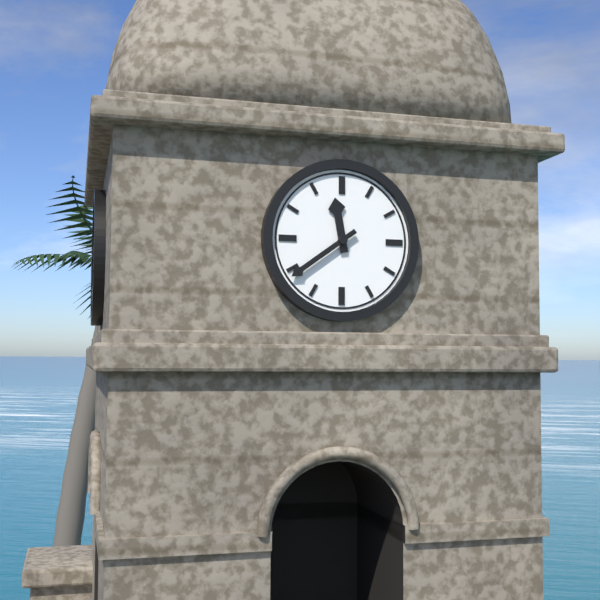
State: 11:39
